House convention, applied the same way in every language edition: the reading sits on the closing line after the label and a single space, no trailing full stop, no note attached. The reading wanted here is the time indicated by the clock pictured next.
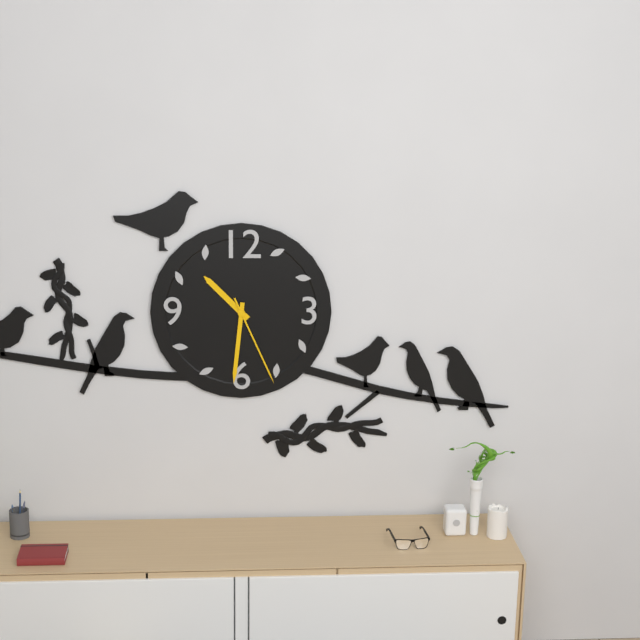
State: 10:31:26
